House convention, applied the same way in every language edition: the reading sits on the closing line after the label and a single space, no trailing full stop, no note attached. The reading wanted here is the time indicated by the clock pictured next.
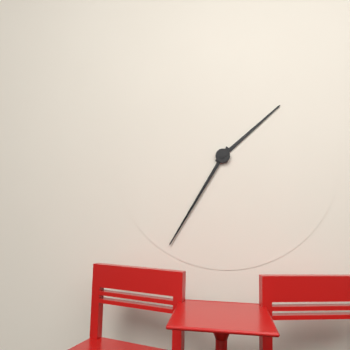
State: 1:35
